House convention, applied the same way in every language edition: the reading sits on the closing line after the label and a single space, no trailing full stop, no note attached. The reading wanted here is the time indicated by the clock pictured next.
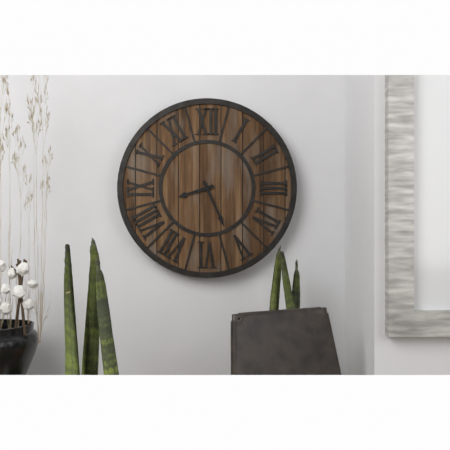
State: 8:26
